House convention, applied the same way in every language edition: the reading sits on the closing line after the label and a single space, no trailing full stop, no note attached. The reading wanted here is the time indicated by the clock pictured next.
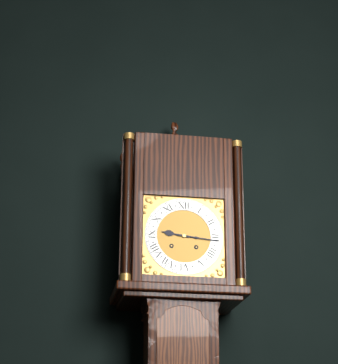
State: 9:16
